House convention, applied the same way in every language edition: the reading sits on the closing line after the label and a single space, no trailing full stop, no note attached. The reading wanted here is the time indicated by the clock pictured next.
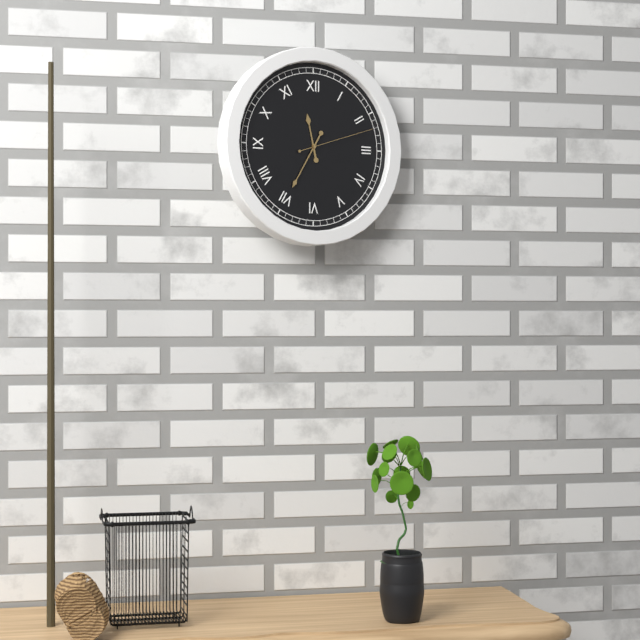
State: 11:35:12
